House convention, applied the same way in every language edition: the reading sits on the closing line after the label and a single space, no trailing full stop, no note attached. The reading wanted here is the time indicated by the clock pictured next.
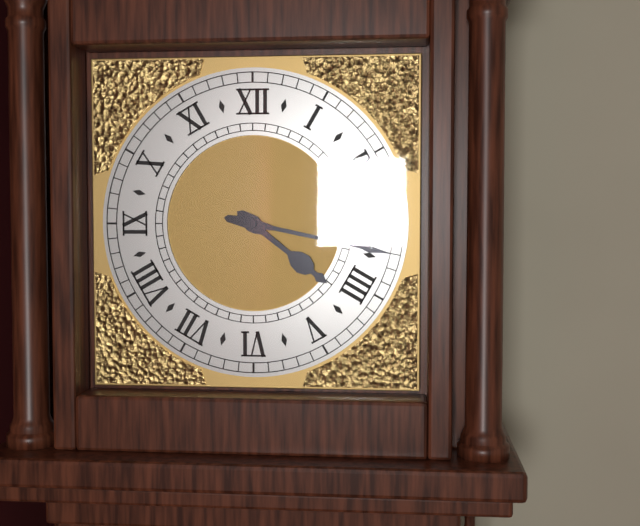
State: 4:17
